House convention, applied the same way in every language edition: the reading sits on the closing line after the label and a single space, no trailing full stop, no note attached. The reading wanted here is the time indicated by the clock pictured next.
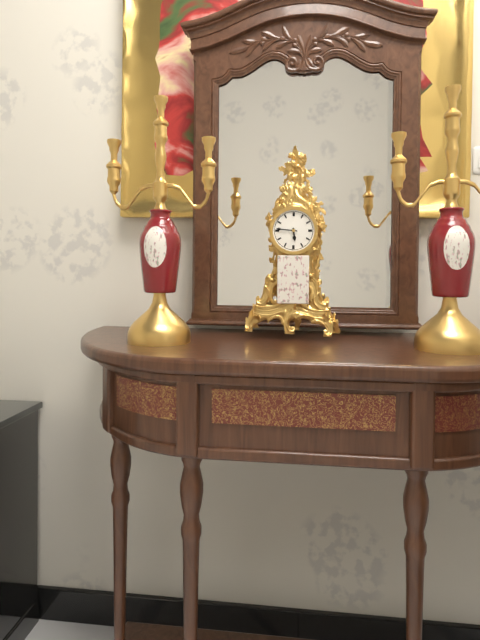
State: 5:46
